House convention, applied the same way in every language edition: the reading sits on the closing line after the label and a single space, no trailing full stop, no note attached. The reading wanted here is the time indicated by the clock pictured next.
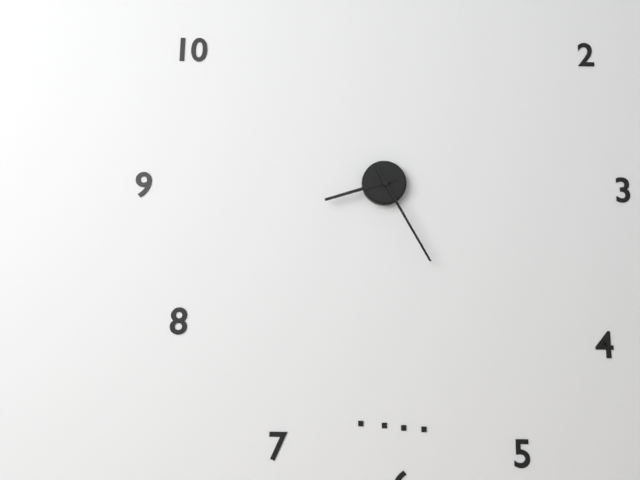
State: 8:25
